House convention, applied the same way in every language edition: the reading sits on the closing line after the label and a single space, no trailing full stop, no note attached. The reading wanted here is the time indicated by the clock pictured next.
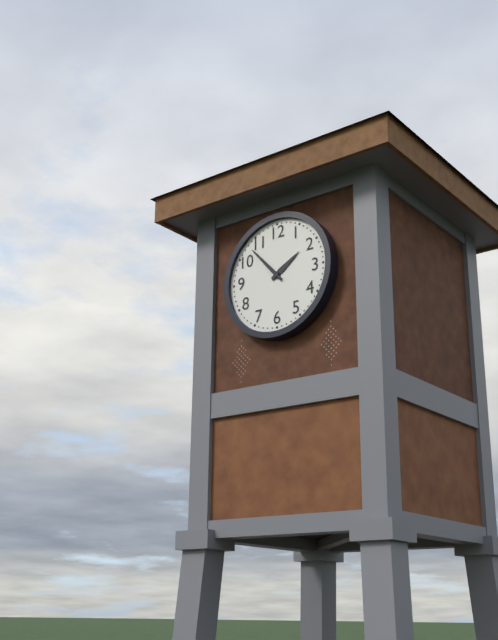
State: 1:53
